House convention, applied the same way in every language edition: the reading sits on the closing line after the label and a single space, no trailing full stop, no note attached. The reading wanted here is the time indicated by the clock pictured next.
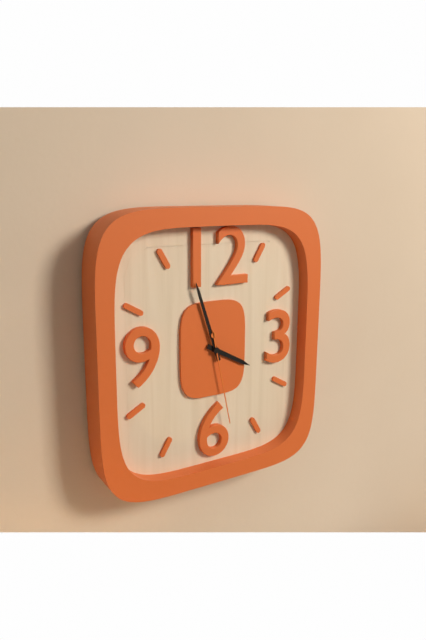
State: 3:57:28
